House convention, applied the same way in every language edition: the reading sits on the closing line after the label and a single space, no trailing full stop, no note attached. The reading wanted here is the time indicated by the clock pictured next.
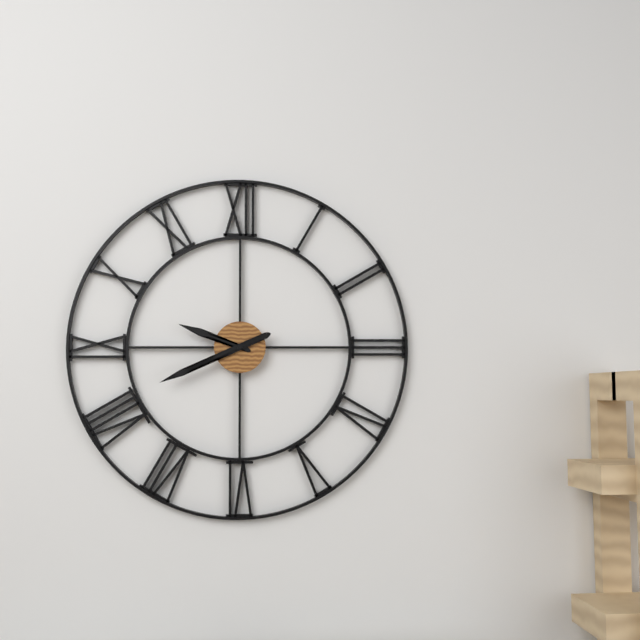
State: 9:41
